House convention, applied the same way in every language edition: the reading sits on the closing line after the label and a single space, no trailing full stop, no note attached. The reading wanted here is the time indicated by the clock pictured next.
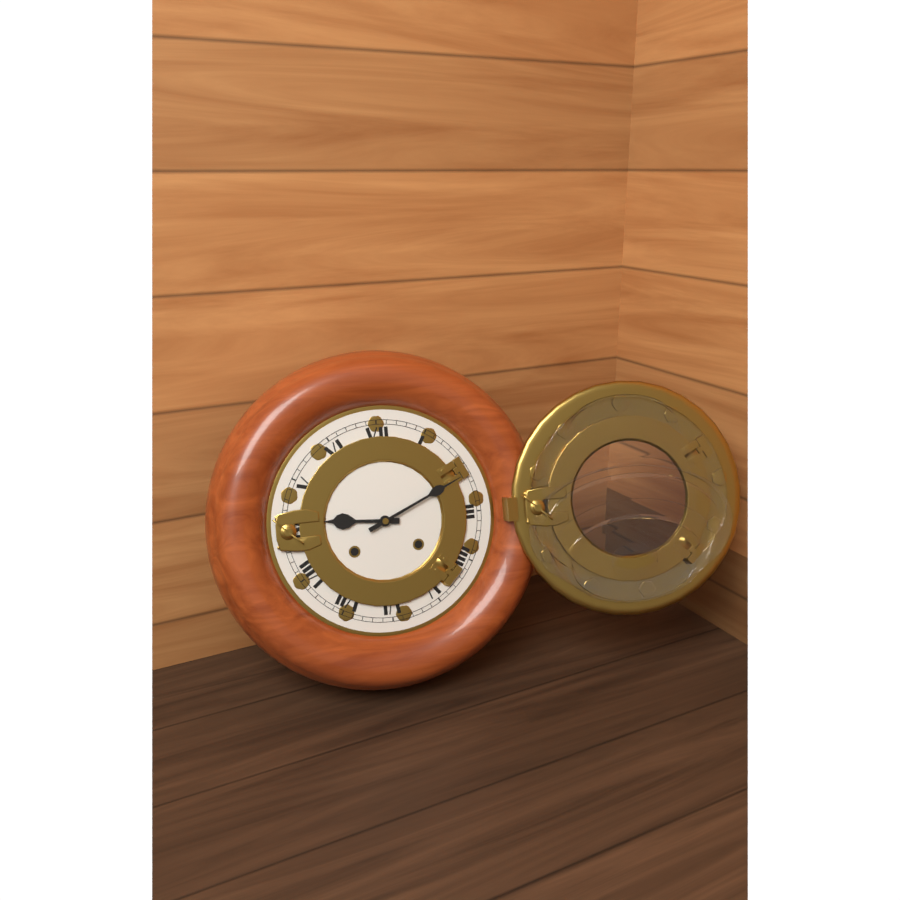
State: 9:11
